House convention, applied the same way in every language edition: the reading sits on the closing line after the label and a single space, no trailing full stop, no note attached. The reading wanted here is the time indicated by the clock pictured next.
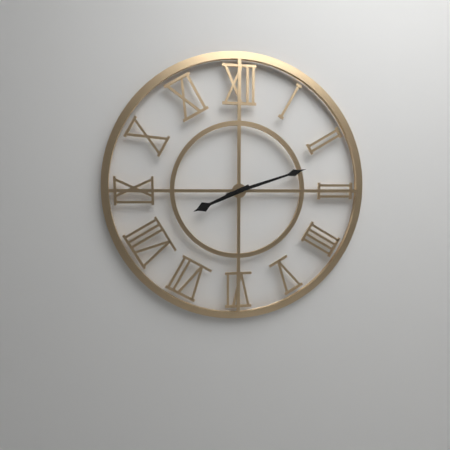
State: 8:12
